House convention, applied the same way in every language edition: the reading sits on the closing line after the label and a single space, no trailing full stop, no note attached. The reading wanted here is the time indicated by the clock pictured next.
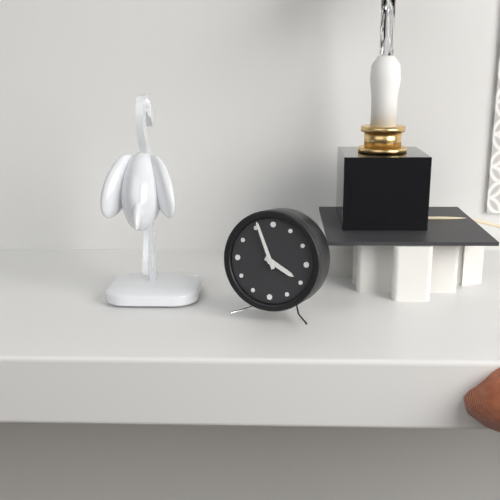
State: 3:56
